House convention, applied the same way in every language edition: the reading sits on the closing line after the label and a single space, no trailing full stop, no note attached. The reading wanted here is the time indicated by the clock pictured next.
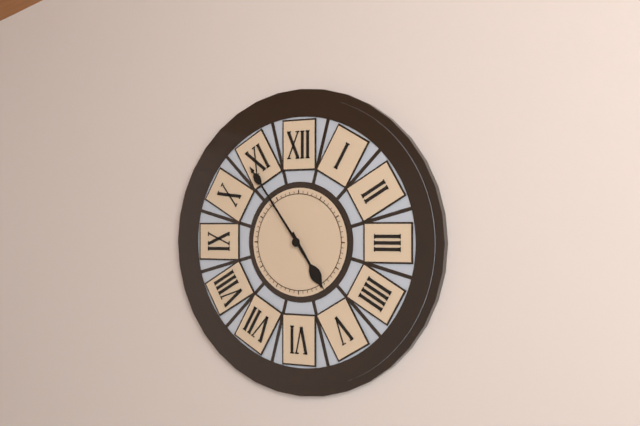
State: 4:54
